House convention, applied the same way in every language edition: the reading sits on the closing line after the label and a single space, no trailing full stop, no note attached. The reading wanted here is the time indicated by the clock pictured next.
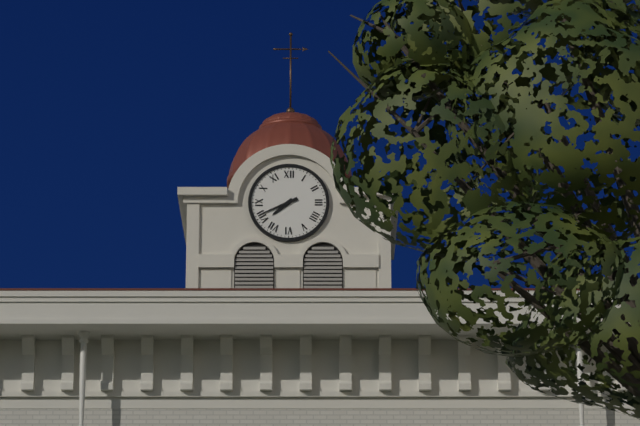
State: 7:41
